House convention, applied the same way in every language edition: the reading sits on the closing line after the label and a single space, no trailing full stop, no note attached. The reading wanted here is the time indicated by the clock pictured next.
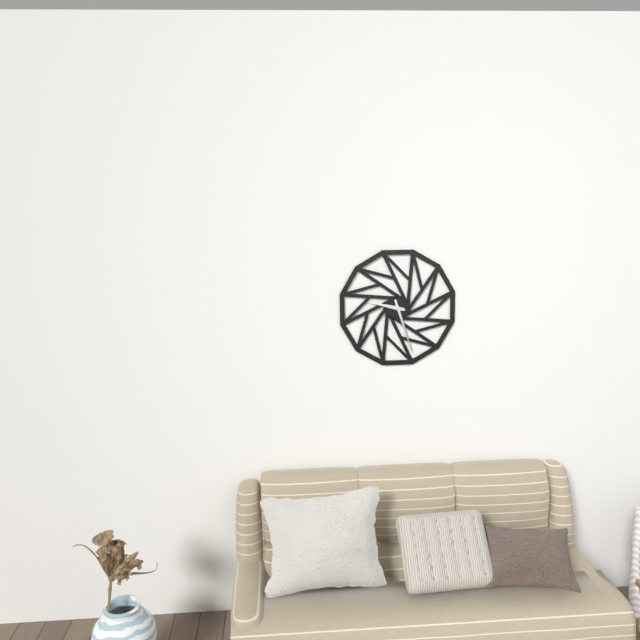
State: 9:27
